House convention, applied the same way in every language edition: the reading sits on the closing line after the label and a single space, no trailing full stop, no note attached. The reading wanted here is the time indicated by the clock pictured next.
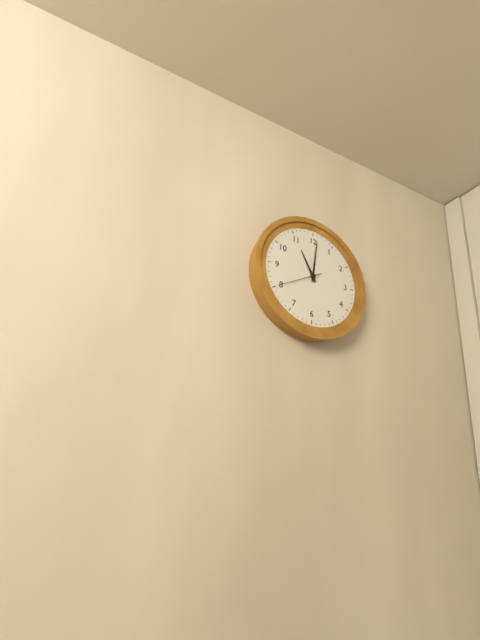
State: 11:01
